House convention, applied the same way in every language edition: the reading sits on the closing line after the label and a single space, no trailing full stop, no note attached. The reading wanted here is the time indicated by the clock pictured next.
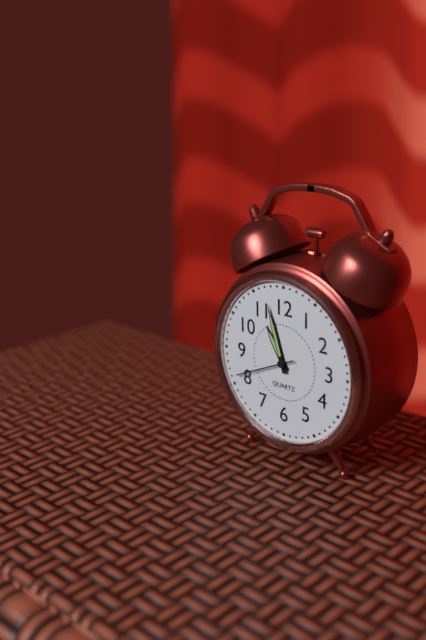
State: 10:57:41
